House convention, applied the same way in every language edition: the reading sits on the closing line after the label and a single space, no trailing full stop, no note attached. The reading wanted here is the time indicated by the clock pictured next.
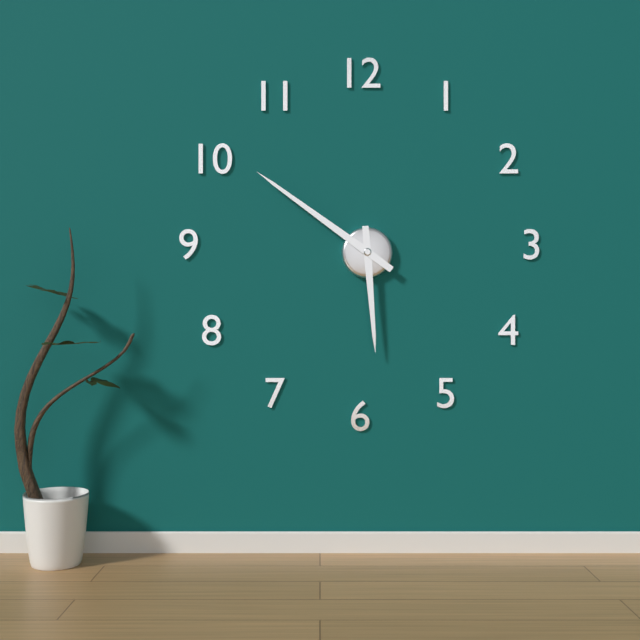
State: 5:51
